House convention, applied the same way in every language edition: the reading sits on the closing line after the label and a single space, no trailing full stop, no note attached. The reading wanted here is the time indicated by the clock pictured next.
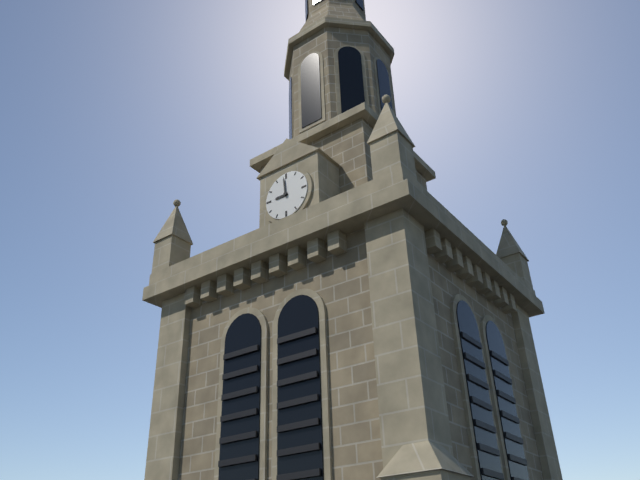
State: 8:59
